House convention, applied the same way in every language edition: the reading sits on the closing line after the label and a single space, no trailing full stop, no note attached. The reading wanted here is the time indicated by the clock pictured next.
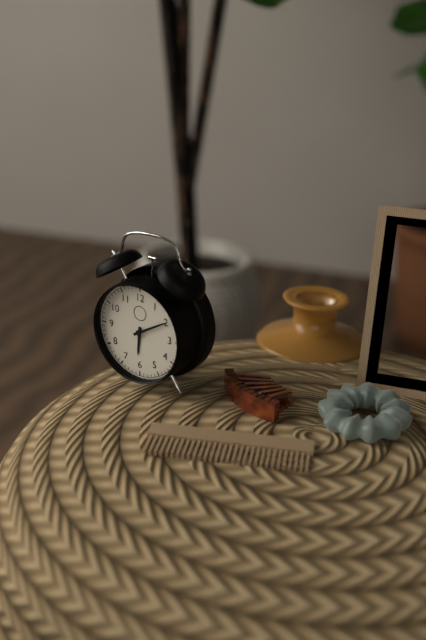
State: 6:10
